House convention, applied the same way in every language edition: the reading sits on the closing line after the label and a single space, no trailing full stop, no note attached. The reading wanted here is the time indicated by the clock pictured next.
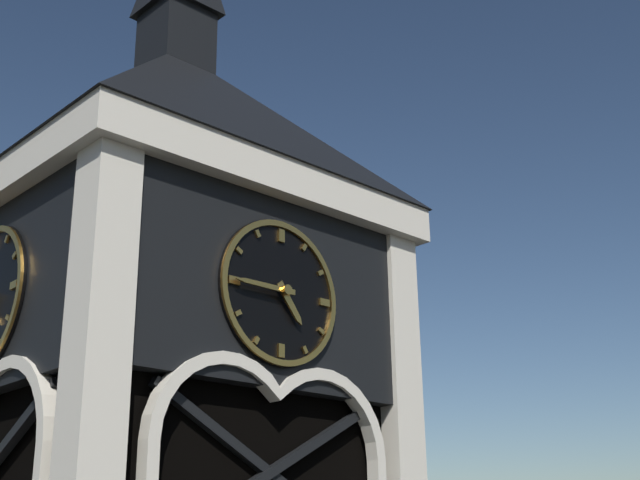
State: 4:45
